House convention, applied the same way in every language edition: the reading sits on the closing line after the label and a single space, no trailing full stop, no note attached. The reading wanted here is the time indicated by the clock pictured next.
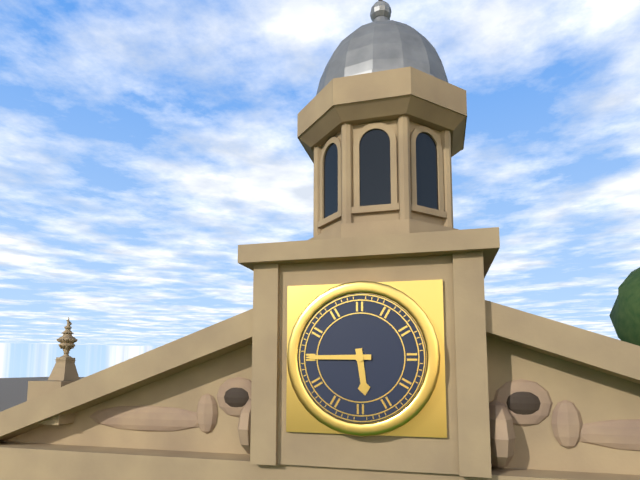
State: 5:45
